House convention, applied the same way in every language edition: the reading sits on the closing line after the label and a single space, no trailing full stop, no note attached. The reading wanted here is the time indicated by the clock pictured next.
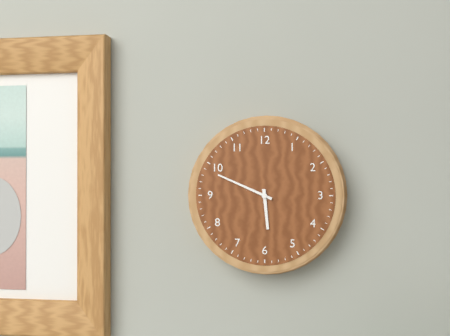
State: 5:49
